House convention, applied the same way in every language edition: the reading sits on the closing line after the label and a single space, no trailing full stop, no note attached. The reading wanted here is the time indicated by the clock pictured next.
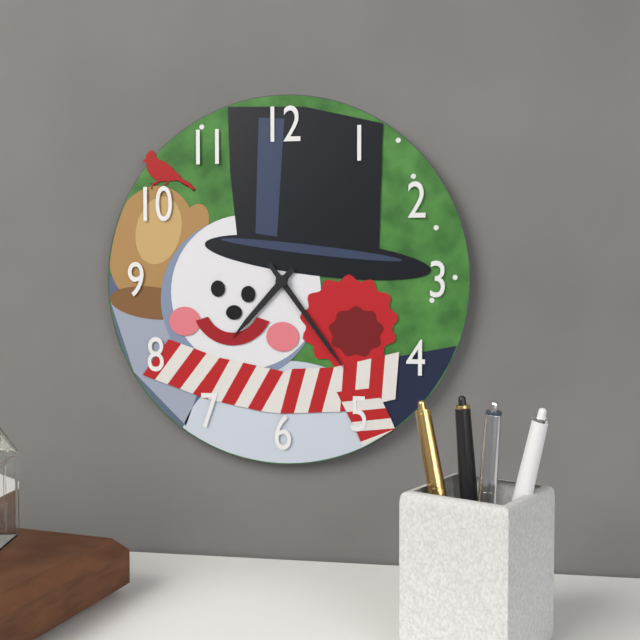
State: 7:24
